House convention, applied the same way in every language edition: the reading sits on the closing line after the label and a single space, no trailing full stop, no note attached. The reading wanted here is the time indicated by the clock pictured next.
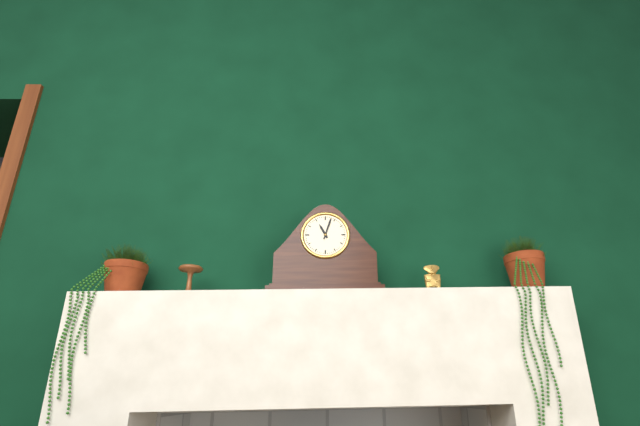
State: 11:03
